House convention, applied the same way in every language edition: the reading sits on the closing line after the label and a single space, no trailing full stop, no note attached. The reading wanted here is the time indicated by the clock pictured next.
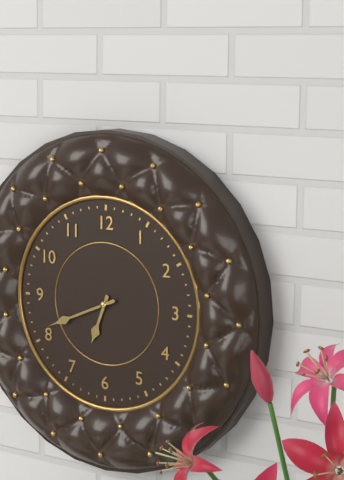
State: 6:41
